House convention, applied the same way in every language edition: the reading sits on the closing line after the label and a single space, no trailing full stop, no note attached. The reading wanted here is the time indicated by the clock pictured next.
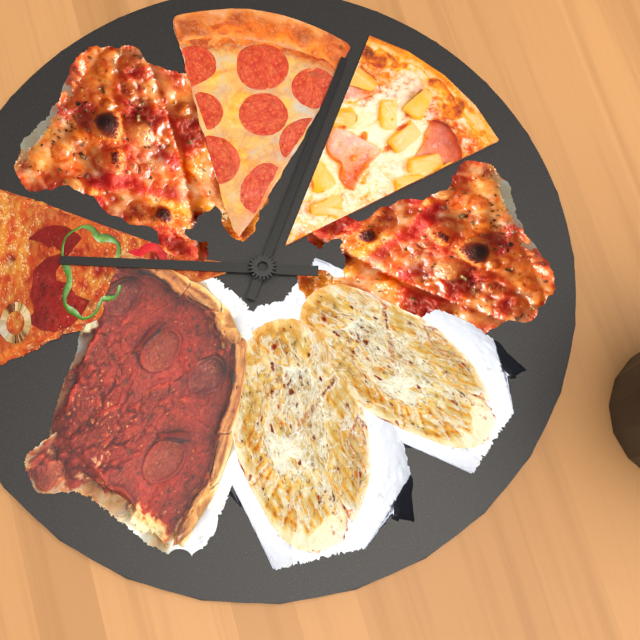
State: 3:36
